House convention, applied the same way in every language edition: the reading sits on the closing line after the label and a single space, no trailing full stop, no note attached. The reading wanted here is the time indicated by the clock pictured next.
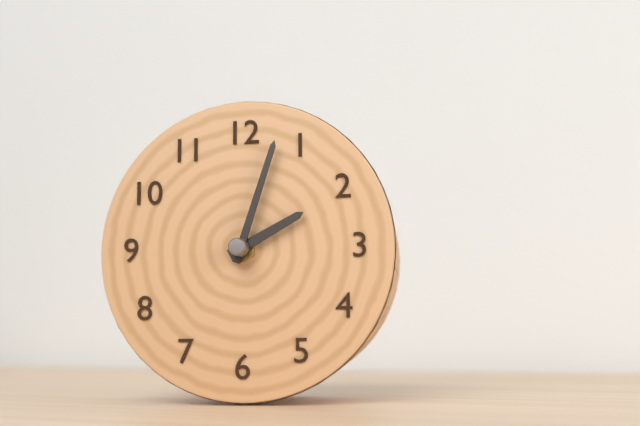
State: 2:03
